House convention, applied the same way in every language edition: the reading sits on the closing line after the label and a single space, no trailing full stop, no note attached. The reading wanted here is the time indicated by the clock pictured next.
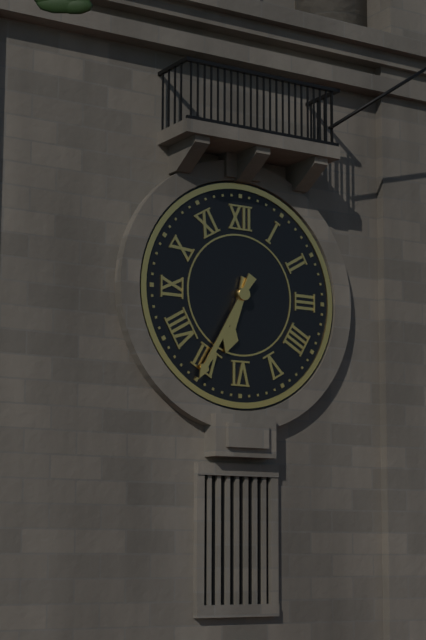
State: 6:35
